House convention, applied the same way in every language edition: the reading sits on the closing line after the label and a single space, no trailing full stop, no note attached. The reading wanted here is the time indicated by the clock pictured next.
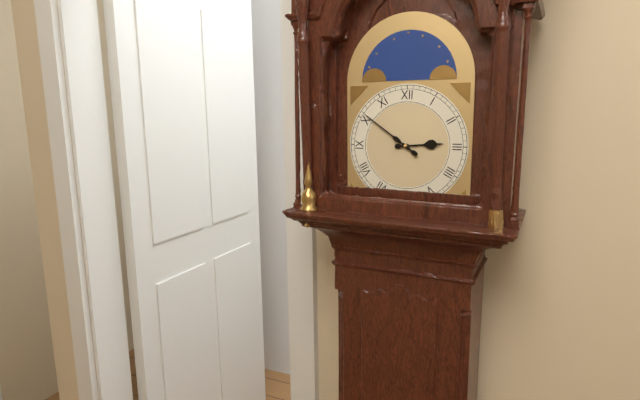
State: 2:51
